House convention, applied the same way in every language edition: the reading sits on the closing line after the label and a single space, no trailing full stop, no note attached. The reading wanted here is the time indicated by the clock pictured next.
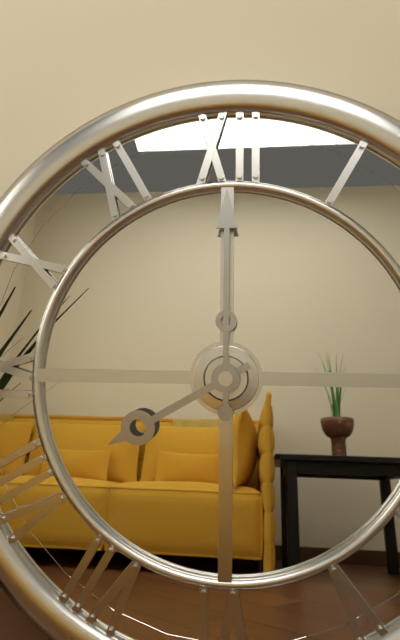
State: 8:00
